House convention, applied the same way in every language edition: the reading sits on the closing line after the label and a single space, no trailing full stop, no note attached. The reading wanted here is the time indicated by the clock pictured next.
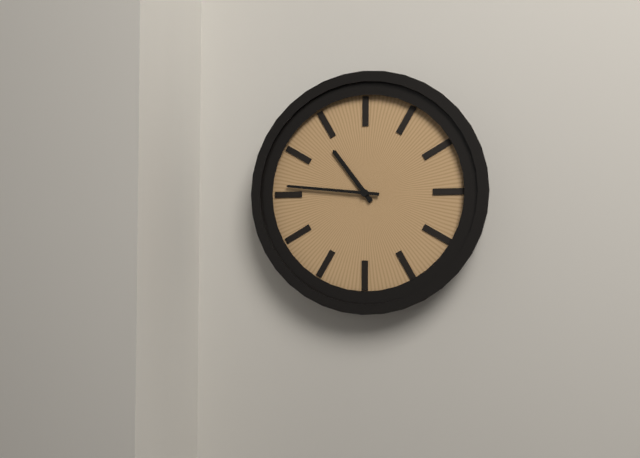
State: 10:46
